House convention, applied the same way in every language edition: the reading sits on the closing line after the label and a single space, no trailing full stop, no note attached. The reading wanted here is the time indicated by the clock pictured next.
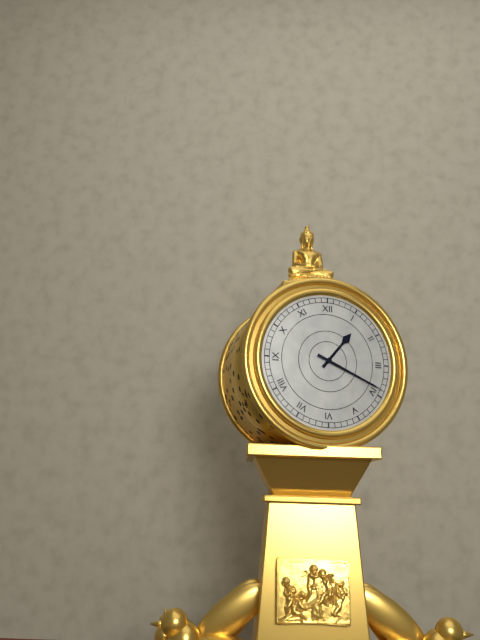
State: 1:19
